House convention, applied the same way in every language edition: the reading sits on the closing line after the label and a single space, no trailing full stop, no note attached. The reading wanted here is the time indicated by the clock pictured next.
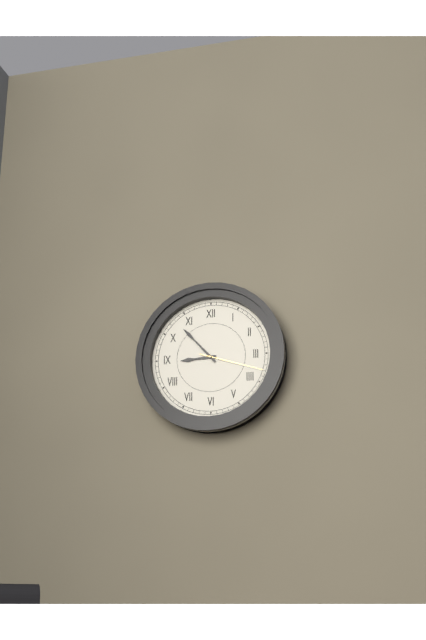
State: 8:53:18
